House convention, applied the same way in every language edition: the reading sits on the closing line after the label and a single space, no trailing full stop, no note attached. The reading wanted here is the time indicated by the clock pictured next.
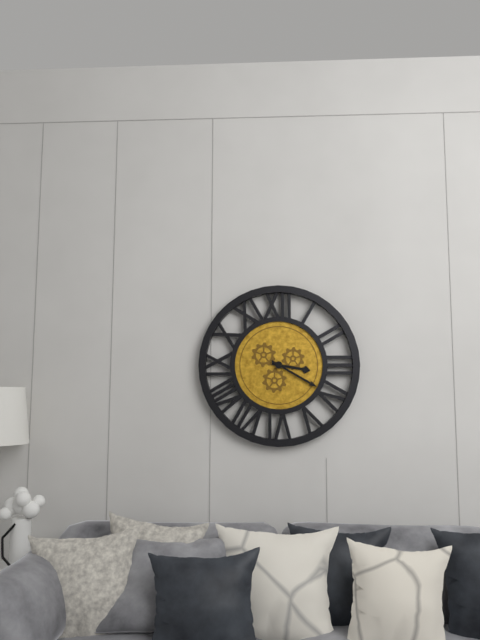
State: 3:20
